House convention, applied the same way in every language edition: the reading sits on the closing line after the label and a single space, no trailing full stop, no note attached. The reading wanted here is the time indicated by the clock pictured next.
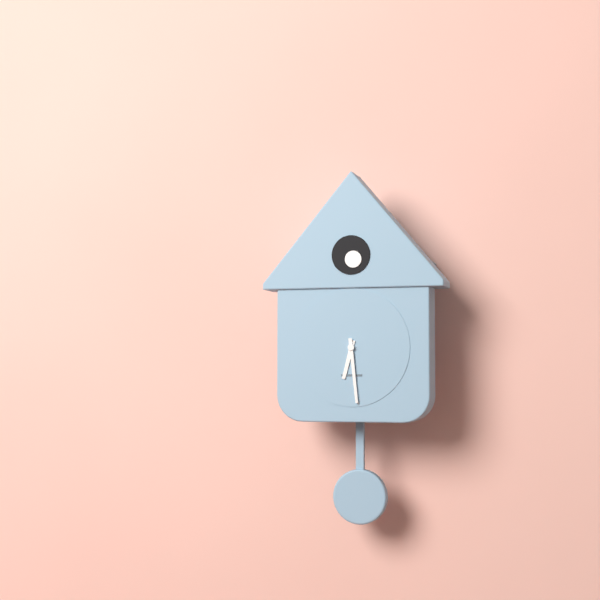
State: 6:29
